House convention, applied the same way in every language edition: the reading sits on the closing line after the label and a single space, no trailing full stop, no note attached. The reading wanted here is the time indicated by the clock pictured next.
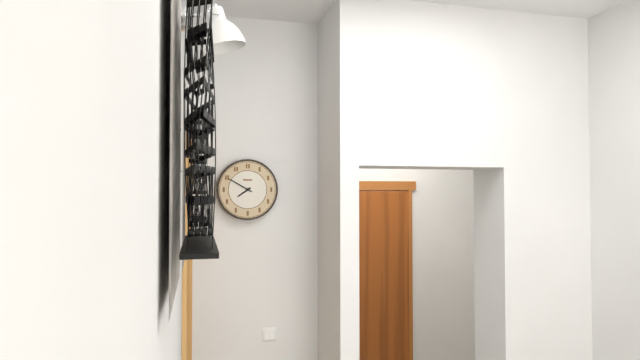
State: 7:50
